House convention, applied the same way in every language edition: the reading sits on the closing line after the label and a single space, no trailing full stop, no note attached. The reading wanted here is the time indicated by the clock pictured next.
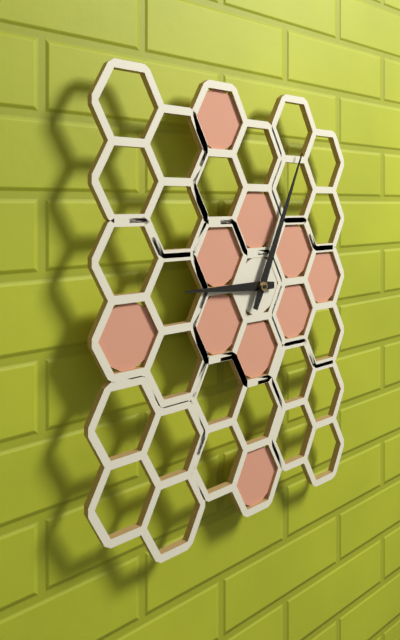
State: 9:04
